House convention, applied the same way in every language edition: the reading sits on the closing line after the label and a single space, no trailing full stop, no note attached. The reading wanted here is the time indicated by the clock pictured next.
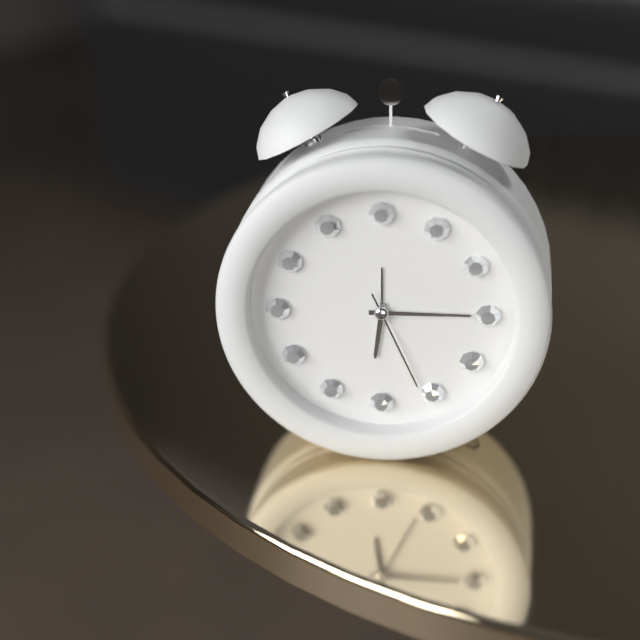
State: 6:15:26
